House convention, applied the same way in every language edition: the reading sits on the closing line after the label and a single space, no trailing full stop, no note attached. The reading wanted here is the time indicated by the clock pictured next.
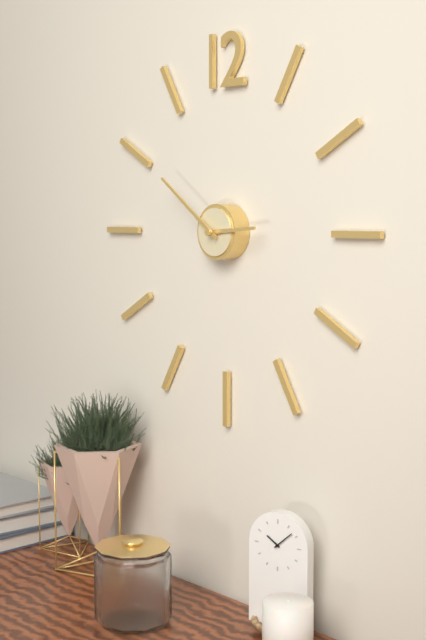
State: 2:51
